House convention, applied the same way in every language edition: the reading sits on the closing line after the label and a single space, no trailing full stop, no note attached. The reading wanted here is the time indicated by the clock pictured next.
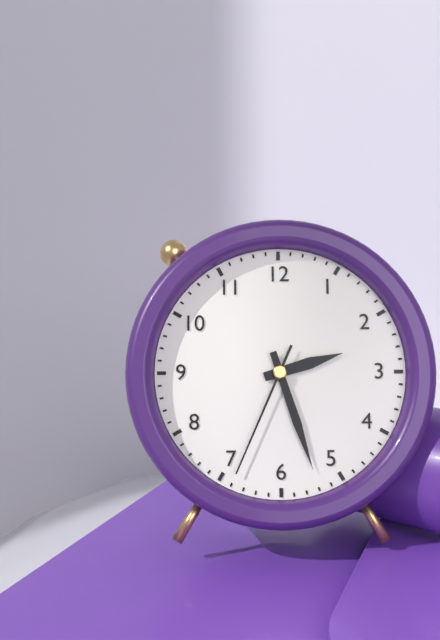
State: 2:27:34
